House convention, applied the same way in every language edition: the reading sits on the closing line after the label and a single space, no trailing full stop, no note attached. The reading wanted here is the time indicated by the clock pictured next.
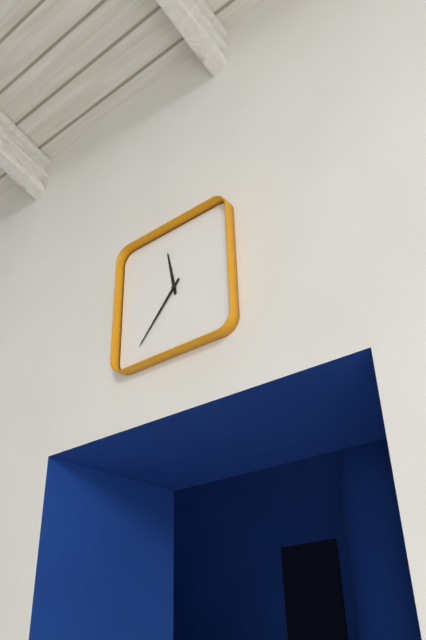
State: 11:37
